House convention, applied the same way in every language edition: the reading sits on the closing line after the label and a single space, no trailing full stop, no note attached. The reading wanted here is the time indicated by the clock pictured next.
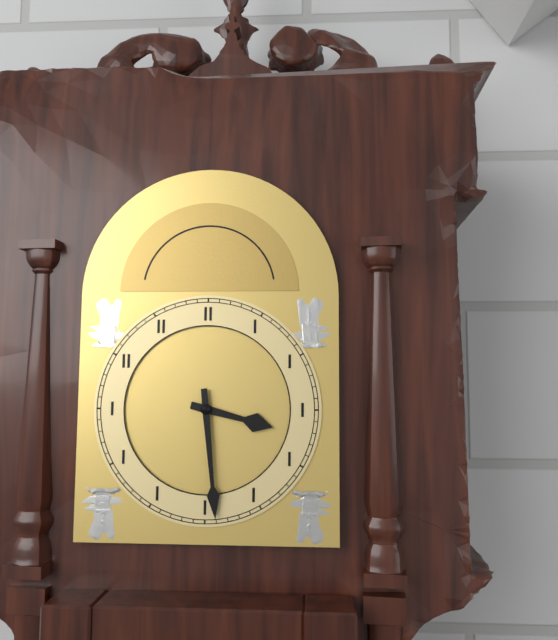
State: 3:29
